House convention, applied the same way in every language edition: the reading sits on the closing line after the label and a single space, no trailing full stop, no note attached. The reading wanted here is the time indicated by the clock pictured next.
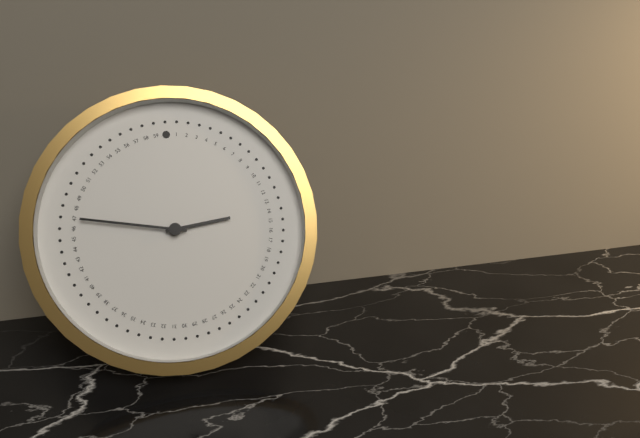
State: 2:47
